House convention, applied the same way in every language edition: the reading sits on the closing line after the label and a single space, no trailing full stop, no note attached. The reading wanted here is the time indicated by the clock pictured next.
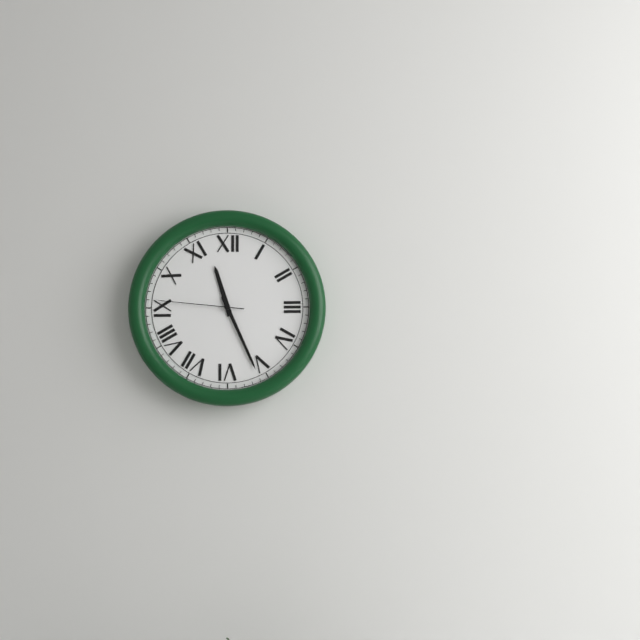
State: 11:26:46
